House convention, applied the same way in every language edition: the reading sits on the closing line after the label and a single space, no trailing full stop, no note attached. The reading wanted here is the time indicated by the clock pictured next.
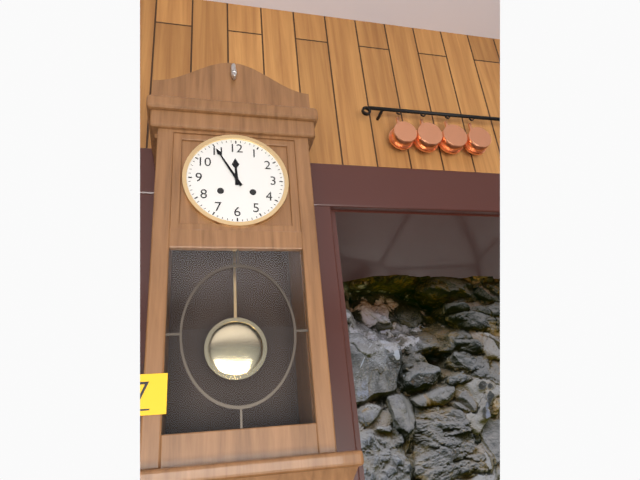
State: 11:55
